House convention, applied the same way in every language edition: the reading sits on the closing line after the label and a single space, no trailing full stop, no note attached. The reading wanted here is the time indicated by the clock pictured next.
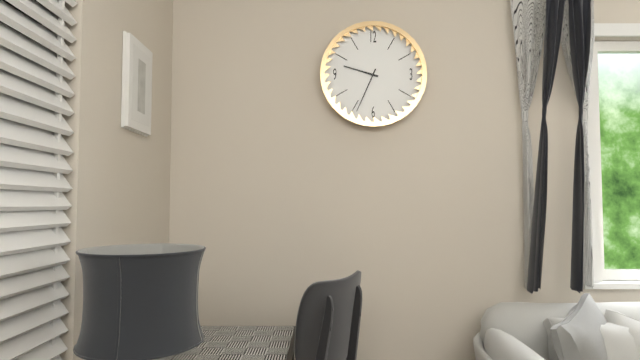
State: 9:34
